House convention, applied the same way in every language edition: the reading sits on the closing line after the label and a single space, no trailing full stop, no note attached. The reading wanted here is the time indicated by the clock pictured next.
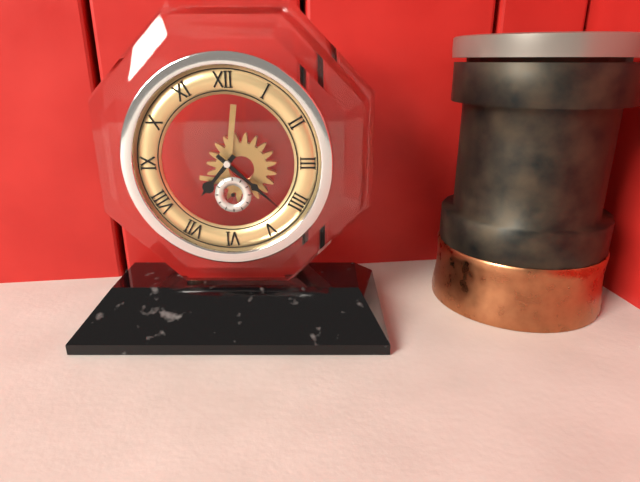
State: 7:22
